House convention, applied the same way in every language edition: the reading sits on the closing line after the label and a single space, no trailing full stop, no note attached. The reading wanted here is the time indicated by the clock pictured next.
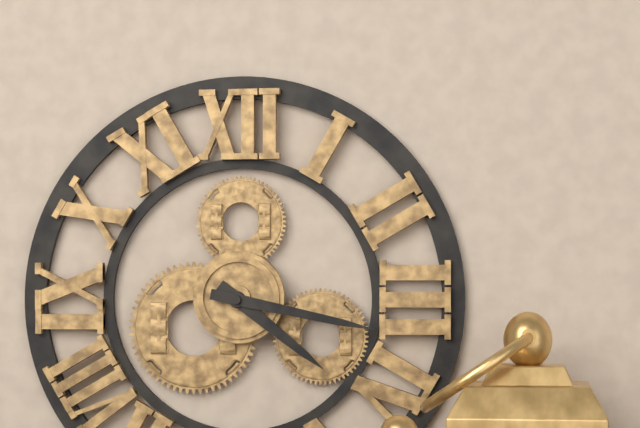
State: 4:17
